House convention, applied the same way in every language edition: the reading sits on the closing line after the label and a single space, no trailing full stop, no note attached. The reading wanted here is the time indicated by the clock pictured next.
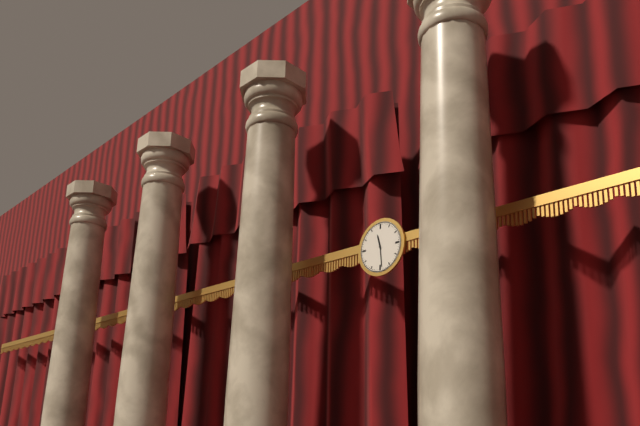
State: 11:29
